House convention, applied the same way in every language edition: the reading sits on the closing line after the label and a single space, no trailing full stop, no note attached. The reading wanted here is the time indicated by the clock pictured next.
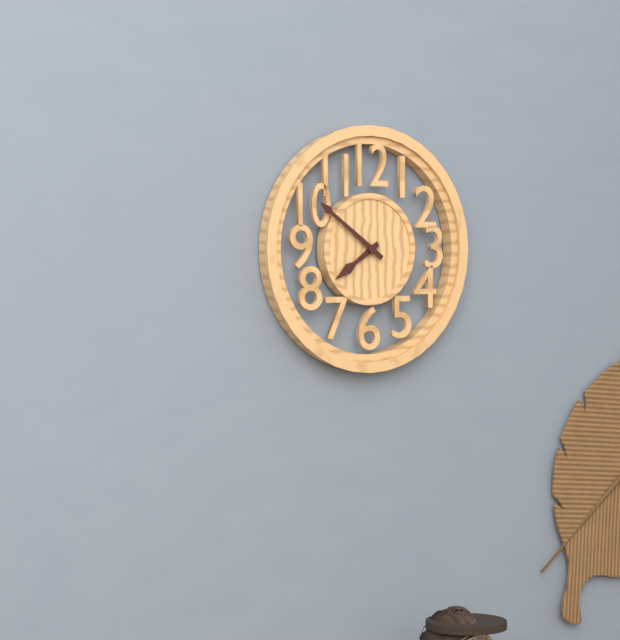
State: 7:51
